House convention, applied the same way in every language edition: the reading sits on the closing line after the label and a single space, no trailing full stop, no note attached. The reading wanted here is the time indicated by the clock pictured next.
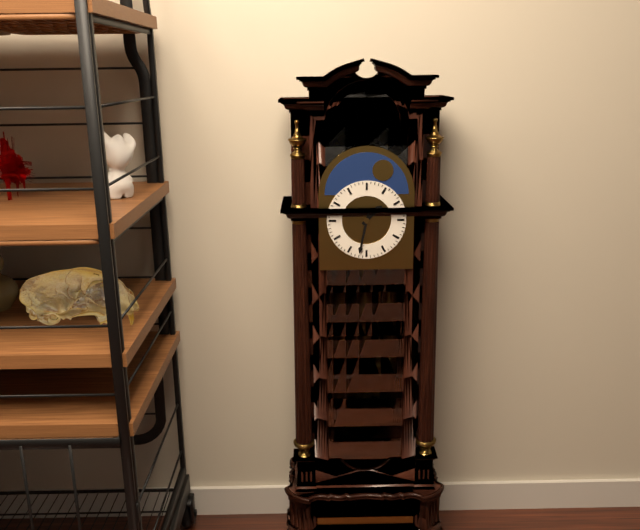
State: 1:32
